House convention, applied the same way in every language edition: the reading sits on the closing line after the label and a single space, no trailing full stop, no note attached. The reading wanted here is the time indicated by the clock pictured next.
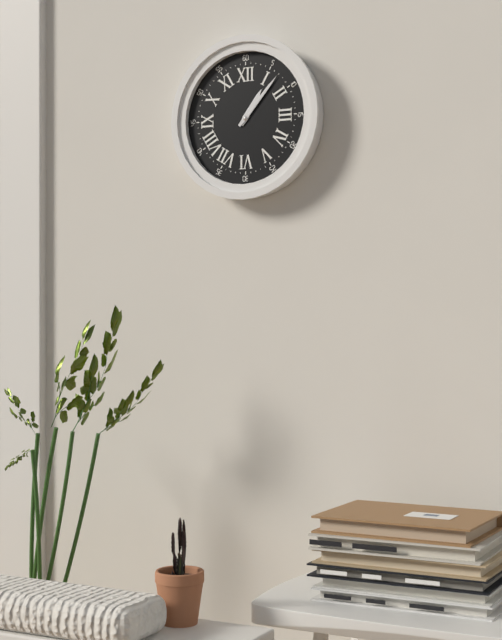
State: 1:07
